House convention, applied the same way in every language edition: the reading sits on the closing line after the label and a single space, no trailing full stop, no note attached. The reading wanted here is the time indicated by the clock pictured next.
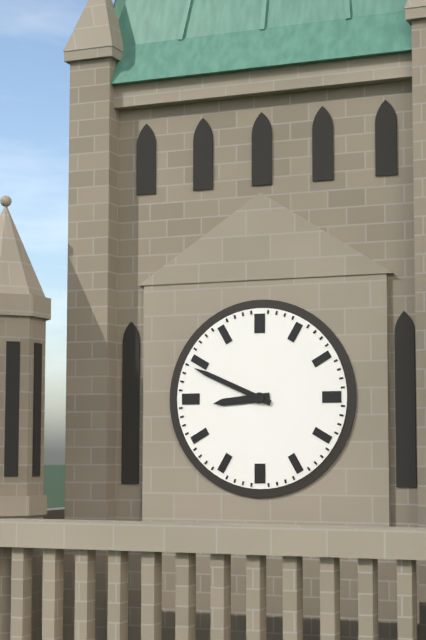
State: 8:49
